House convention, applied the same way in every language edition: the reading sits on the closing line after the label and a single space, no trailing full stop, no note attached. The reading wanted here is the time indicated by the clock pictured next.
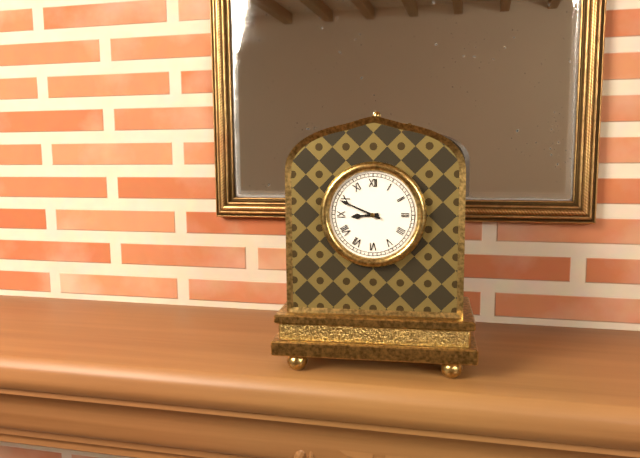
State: 8:49
